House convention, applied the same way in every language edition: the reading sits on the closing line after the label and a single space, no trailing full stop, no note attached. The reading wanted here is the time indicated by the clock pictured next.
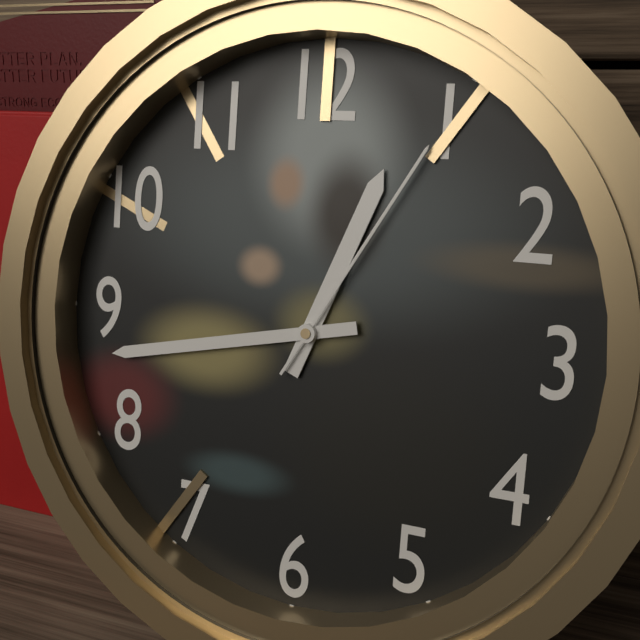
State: 12:43:05
